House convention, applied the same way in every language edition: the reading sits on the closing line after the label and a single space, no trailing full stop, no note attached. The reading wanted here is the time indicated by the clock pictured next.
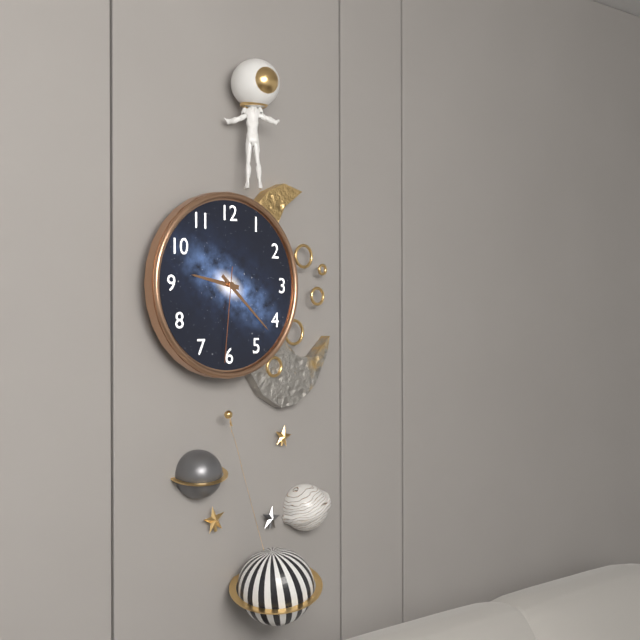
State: 9:22:31
